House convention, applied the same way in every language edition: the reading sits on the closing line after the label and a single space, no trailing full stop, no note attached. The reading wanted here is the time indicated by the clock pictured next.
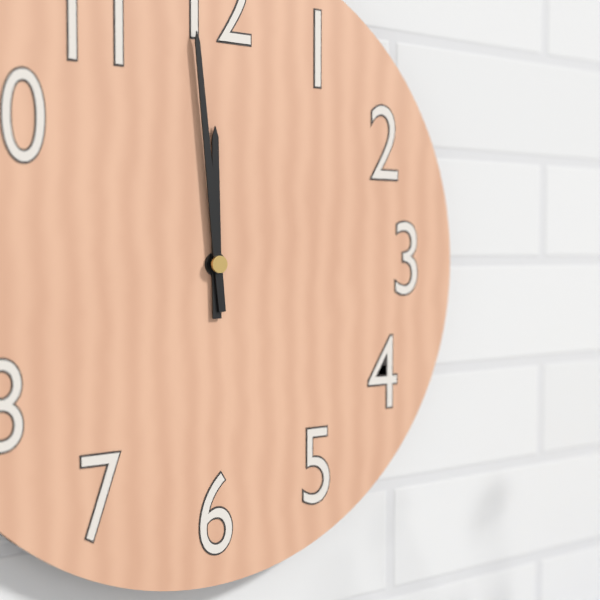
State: 11:59
